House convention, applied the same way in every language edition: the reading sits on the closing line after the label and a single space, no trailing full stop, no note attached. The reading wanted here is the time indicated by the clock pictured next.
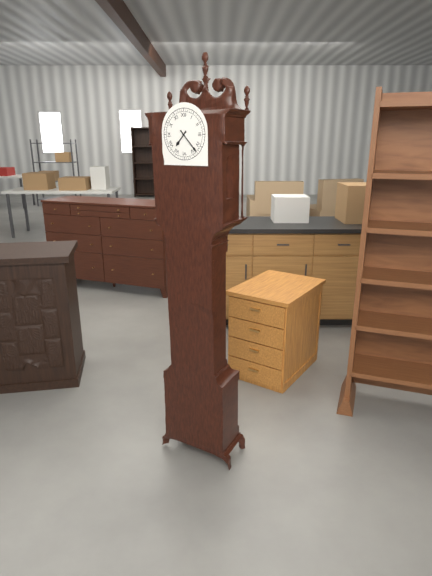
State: 7:23
